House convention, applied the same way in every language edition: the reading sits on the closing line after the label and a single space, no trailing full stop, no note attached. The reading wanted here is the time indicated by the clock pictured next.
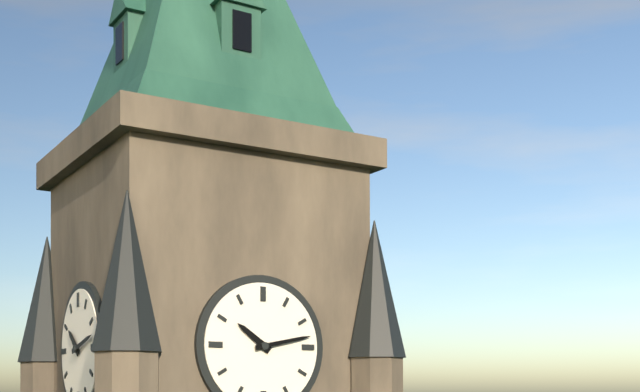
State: 10:13
